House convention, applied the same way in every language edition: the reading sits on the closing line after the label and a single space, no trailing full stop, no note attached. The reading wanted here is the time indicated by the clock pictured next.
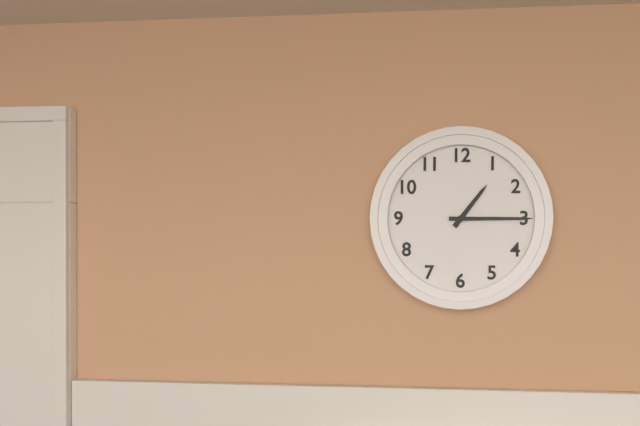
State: 1:15
